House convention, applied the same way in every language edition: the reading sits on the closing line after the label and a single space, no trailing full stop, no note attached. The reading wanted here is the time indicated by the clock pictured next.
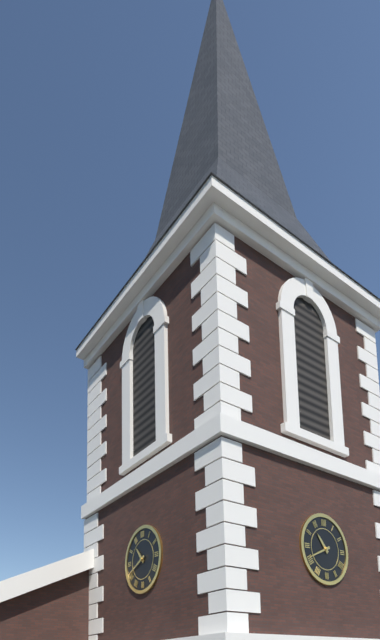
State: 10:41
